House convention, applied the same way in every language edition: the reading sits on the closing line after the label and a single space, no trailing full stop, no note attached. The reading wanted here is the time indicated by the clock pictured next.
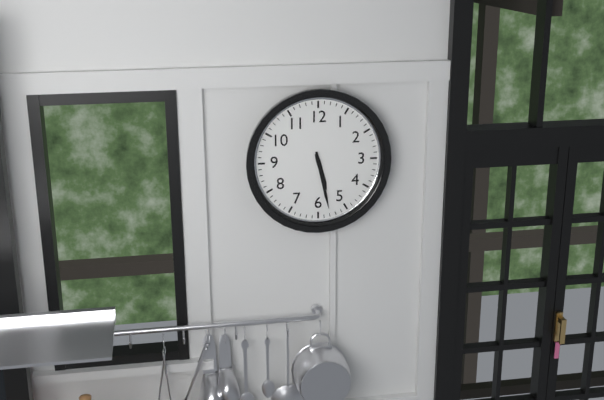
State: 5:28
